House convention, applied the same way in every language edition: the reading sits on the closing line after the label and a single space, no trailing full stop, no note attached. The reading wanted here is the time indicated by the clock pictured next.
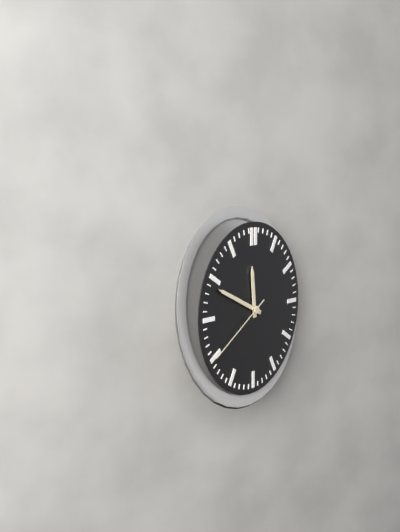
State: 11:49:40
